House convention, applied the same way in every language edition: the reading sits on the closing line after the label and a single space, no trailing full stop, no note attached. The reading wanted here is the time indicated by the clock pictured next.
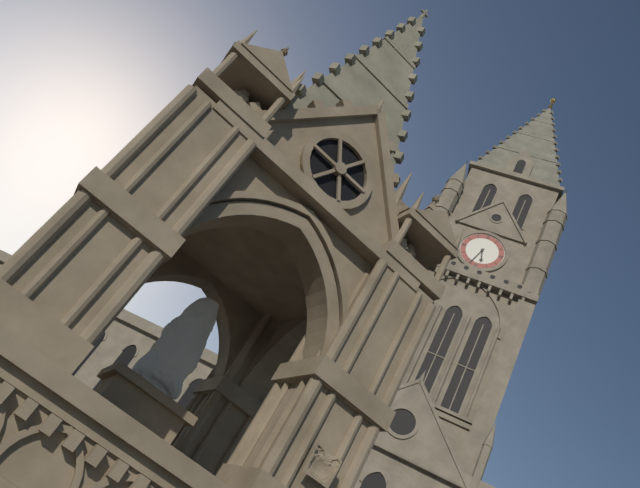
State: 5:33
